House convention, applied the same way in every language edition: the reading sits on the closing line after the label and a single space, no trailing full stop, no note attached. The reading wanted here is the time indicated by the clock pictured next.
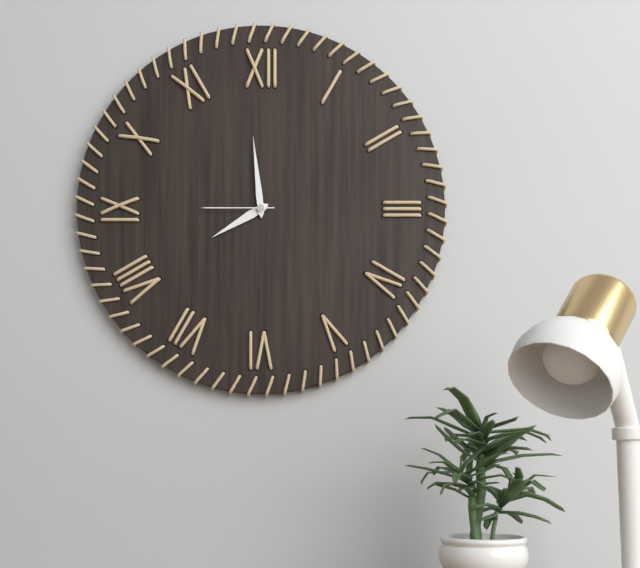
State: 7:59:45
